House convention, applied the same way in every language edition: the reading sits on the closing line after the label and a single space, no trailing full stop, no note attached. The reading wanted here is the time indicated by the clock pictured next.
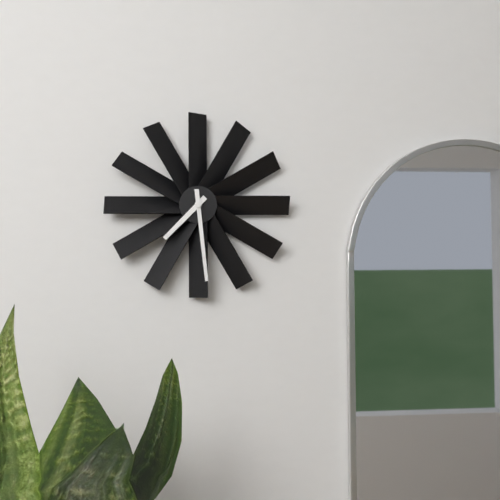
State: 7:29
